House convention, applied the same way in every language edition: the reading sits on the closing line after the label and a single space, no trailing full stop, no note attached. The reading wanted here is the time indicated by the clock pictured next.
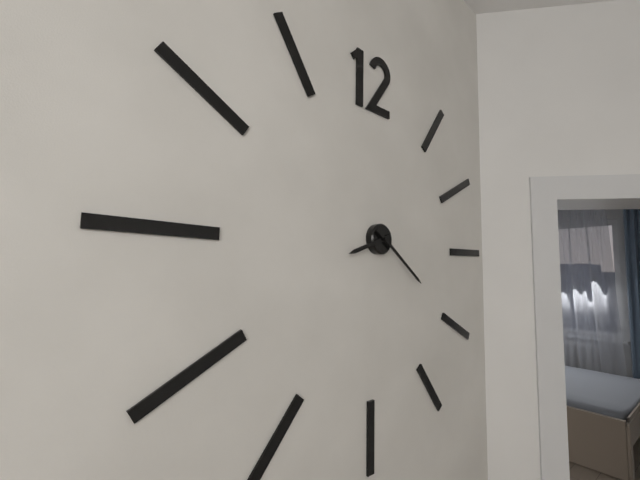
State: 8:21
